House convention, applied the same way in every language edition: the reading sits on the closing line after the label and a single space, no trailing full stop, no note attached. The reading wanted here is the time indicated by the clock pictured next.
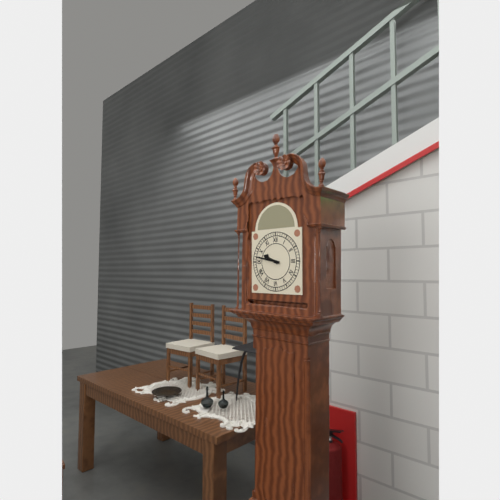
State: 9:47
